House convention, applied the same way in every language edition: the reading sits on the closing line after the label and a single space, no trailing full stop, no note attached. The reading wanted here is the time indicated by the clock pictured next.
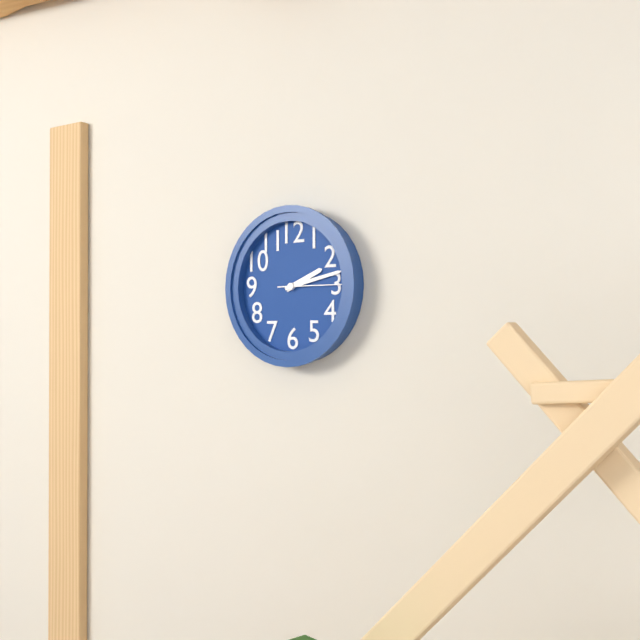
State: 2:13:15
